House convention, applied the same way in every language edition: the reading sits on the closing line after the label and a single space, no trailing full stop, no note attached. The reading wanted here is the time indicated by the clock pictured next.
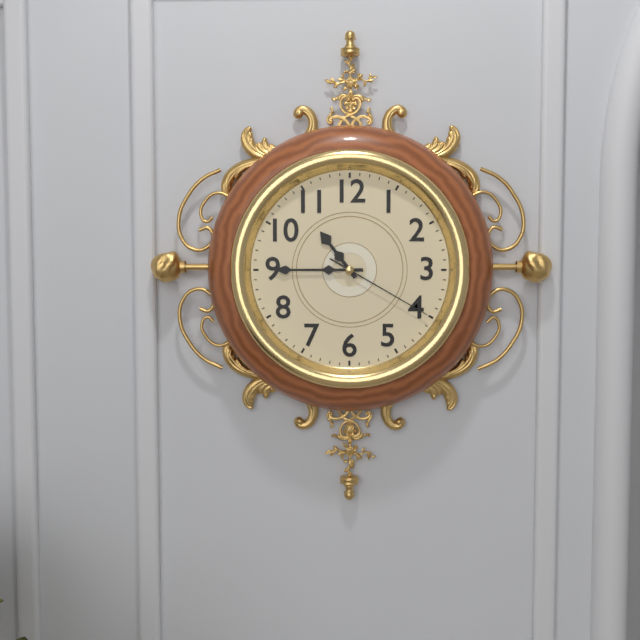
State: 10:45:20
